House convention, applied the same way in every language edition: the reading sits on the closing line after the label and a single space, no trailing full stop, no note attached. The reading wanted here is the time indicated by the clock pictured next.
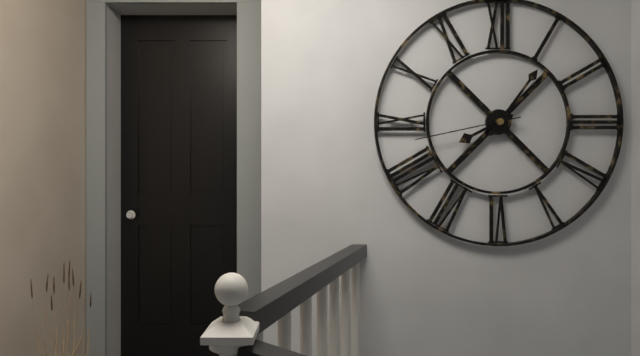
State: 8:06:43
